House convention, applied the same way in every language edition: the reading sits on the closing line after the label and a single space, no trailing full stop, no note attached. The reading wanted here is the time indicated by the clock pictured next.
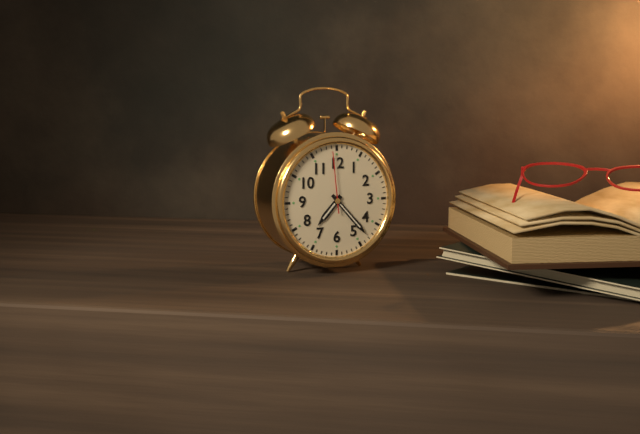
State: 7:23:59
